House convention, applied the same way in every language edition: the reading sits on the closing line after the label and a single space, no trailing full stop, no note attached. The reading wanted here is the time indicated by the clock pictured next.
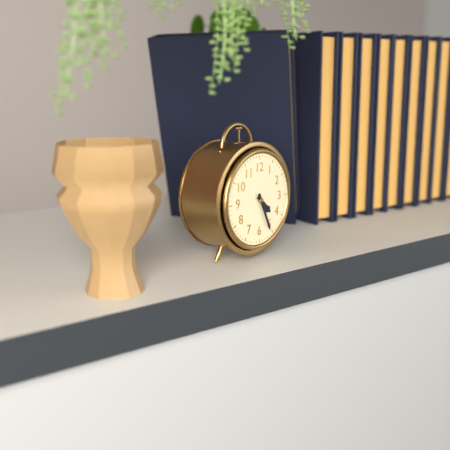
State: 4:26
